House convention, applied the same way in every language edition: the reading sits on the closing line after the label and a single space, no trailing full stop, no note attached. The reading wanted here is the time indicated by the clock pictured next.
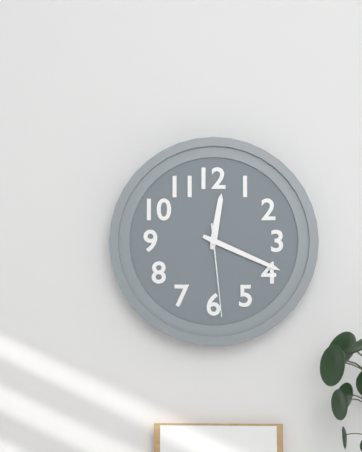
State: 12:19:29
